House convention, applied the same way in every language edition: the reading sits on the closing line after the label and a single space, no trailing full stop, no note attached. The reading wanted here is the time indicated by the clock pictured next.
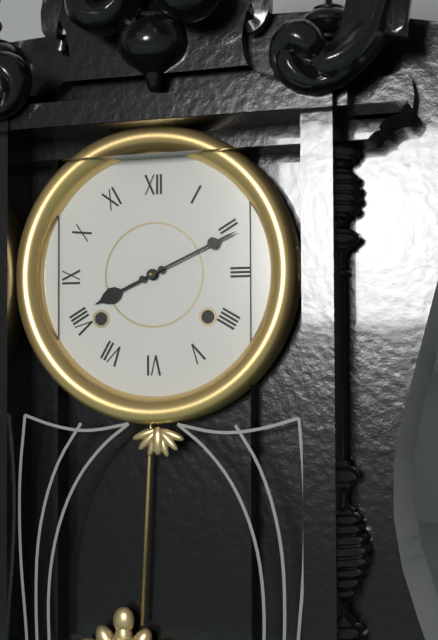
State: 8:11
